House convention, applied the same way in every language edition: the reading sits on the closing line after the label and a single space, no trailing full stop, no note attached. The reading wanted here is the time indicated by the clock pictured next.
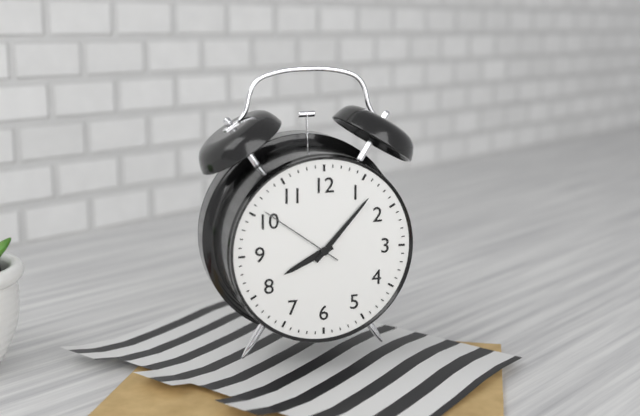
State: 8:07:51
